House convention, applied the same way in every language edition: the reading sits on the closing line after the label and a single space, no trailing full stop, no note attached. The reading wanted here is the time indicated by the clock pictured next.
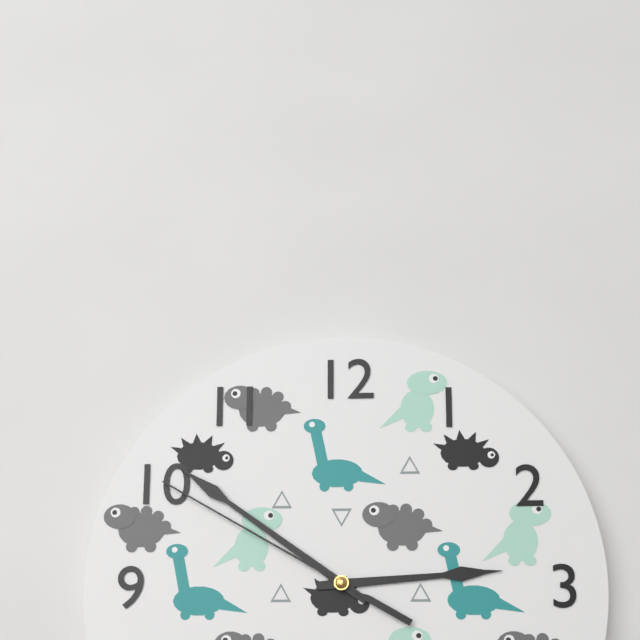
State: 2:51:50
